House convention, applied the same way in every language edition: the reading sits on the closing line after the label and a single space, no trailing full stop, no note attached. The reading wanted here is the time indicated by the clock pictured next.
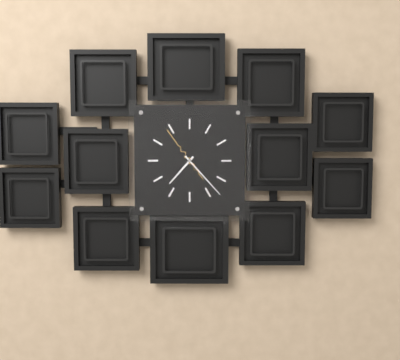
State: 7:23
